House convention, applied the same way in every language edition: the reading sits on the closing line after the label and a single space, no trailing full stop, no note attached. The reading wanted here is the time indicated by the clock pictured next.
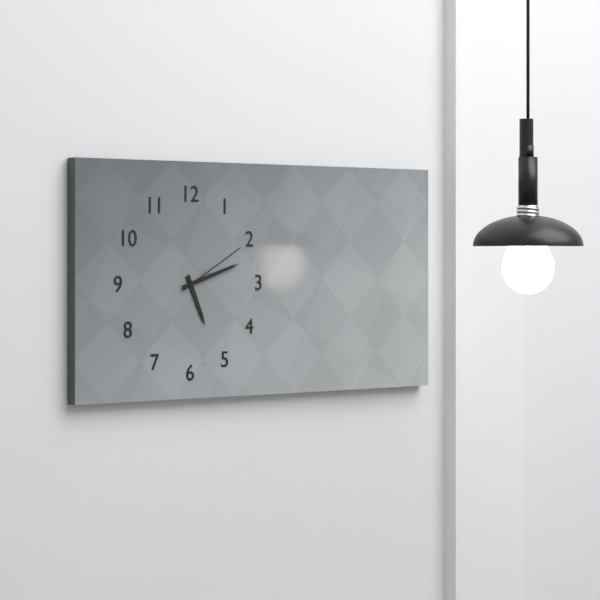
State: 5:12:10
